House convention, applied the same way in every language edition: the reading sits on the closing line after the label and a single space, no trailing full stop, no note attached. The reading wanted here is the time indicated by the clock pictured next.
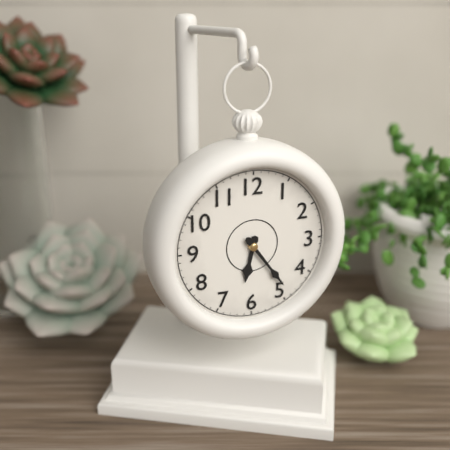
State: 6:24
